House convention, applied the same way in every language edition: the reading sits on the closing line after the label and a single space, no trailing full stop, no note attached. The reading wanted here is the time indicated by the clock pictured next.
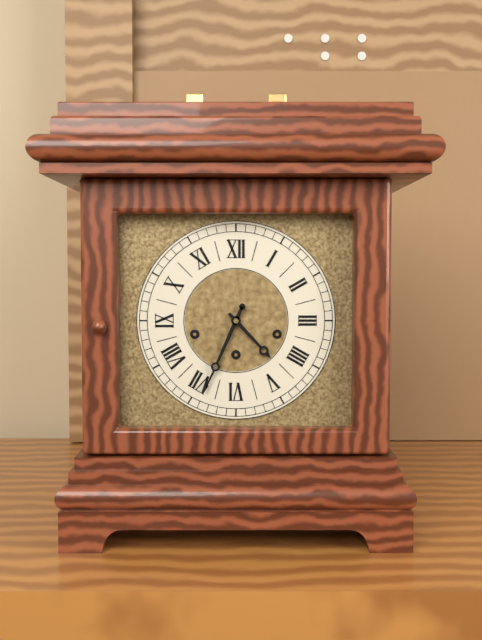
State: 4:34
